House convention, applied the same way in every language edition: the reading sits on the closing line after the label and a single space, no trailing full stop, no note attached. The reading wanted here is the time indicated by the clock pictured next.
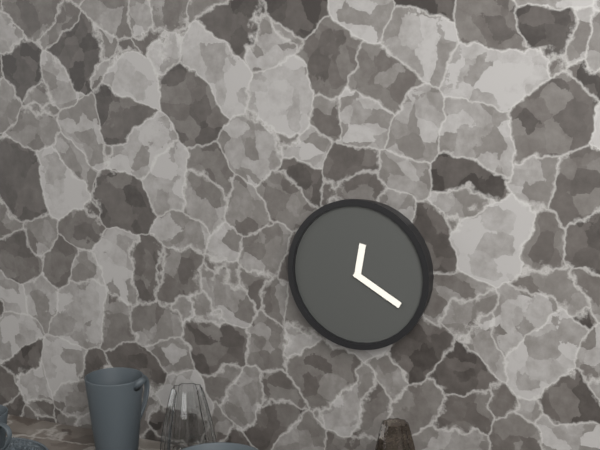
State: 12:20
